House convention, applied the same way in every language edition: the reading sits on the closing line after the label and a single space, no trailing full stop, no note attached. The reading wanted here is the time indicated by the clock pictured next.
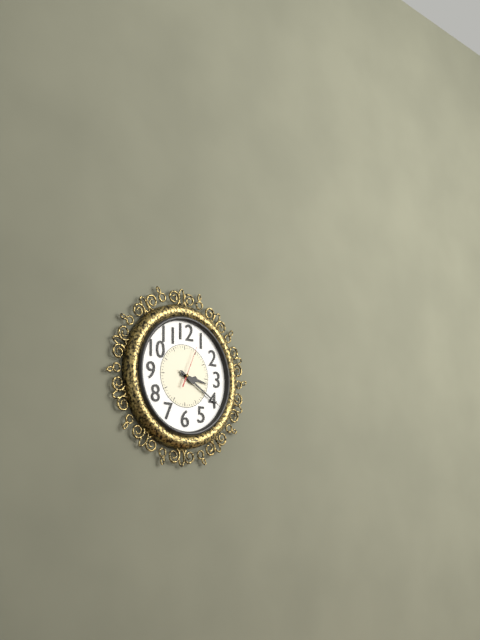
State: 3:20
